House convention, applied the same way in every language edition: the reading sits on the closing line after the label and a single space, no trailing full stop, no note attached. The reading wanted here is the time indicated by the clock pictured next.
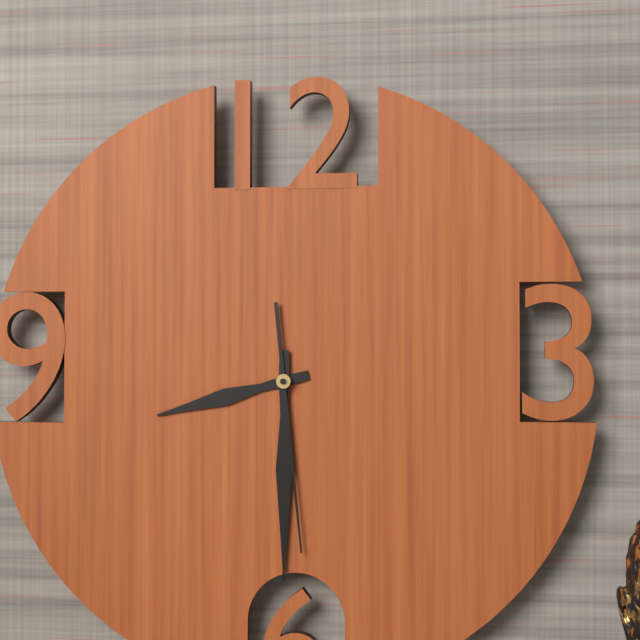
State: 8:30:29
